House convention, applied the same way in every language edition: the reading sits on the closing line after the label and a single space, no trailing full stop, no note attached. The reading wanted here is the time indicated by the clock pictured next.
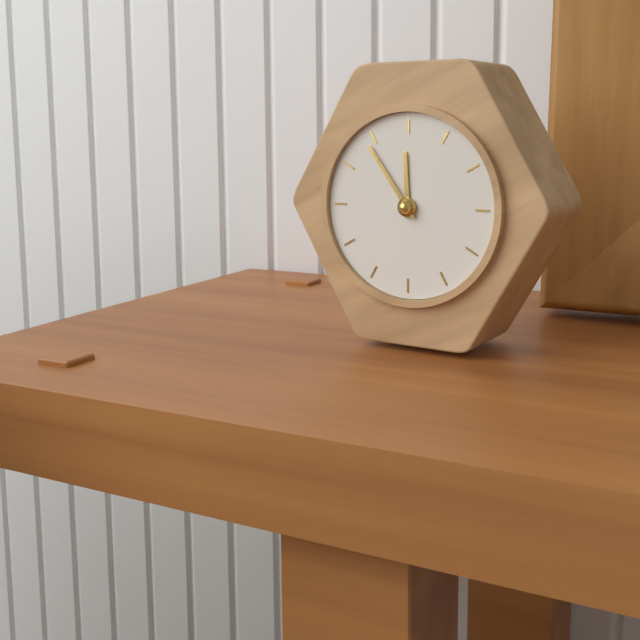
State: 11:54
